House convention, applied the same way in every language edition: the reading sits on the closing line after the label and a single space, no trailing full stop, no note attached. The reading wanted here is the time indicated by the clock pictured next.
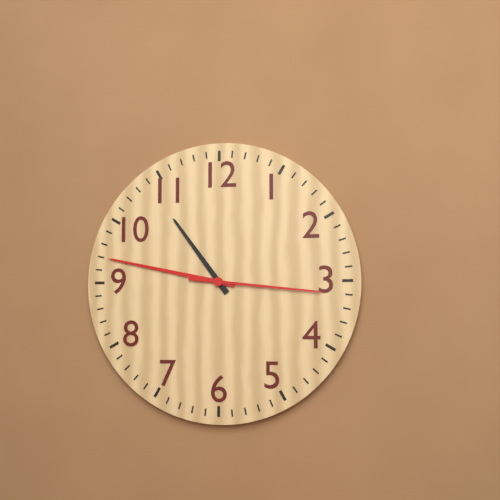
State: 10:47:16
